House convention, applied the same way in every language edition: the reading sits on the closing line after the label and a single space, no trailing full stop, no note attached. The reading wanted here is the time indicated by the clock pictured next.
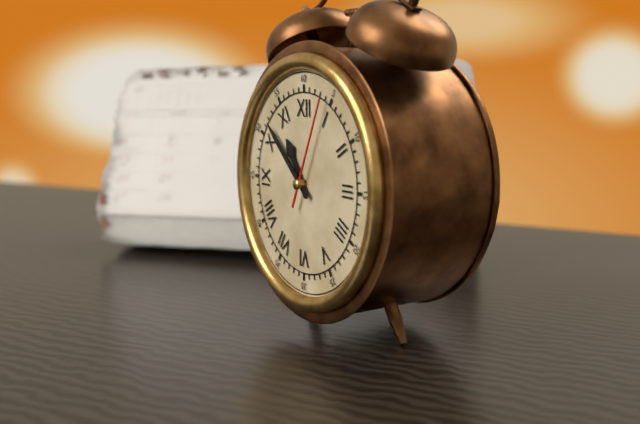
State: 10:52:04
